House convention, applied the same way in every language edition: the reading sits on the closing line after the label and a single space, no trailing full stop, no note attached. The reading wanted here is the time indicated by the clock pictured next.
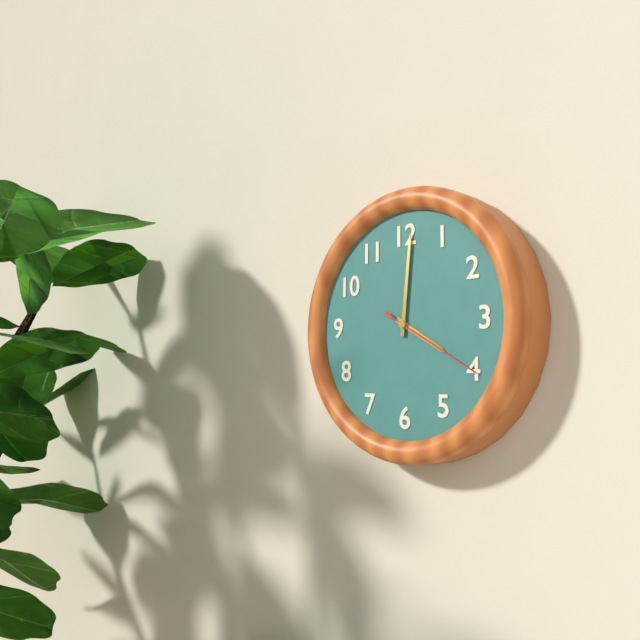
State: 4:01:20
